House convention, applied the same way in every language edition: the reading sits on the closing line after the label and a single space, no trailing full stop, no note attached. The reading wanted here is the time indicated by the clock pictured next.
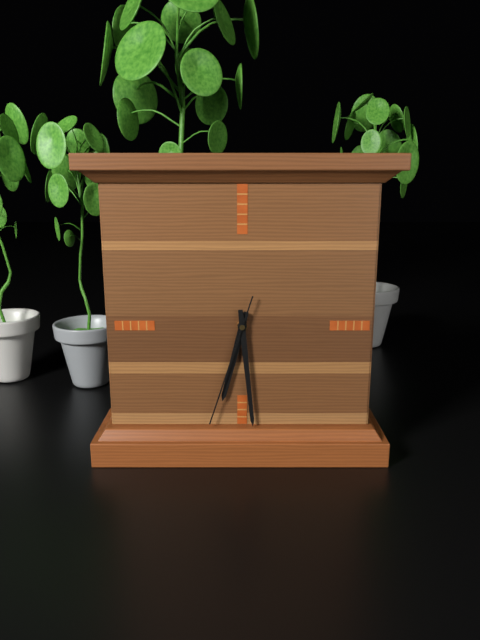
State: 6:29:33
